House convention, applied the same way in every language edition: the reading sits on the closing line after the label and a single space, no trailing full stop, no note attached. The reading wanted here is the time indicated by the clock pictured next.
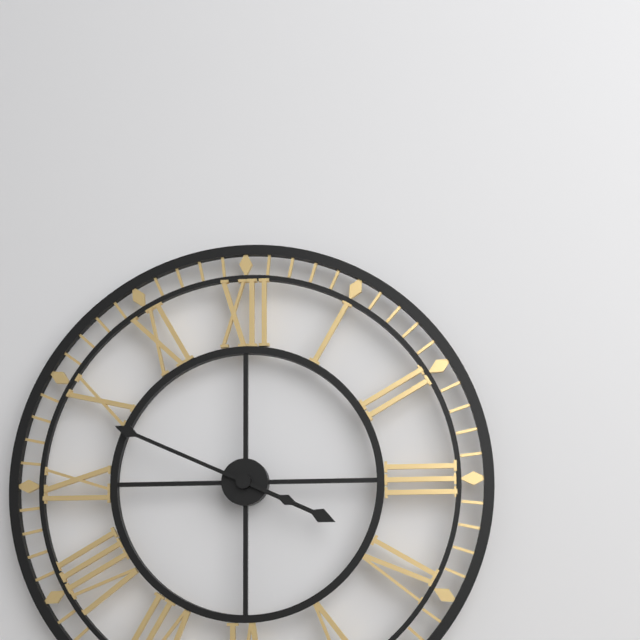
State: 3:49
